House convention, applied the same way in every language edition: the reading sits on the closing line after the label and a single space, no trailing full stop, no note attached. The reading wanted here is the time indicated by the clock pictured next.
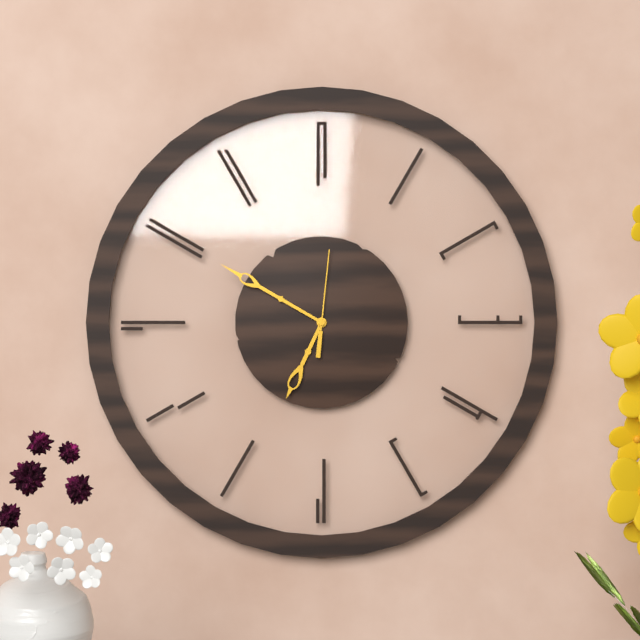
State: 6:50:01
